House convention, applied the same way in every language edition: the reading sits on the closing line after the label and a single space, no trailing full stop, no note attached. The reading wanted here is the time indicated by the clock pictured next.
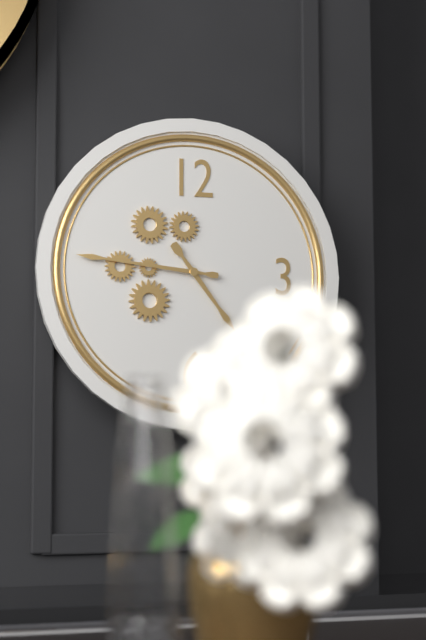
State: 4:46
